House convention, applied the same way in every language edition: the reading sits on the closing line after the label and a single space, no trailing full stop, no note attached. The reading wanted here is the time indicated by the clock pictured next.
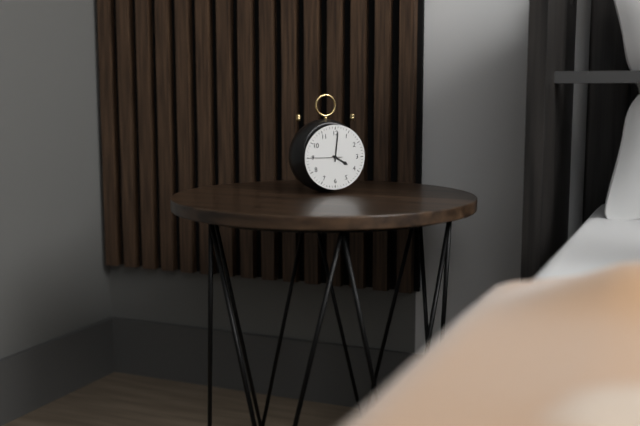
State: 4:01
